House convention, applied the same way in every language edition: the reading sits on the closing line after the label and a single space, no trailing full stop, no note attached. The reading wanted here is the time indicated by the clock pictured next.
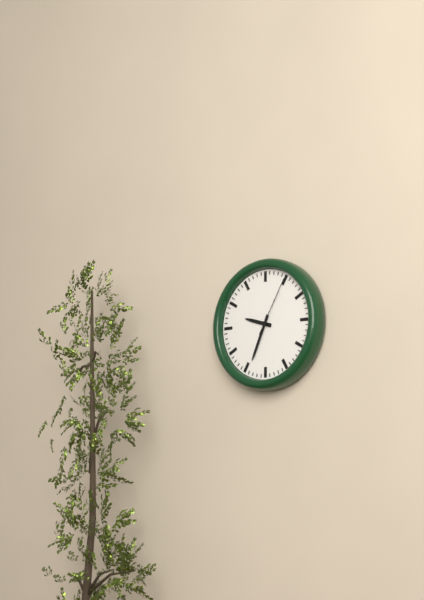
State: 9:34:05
